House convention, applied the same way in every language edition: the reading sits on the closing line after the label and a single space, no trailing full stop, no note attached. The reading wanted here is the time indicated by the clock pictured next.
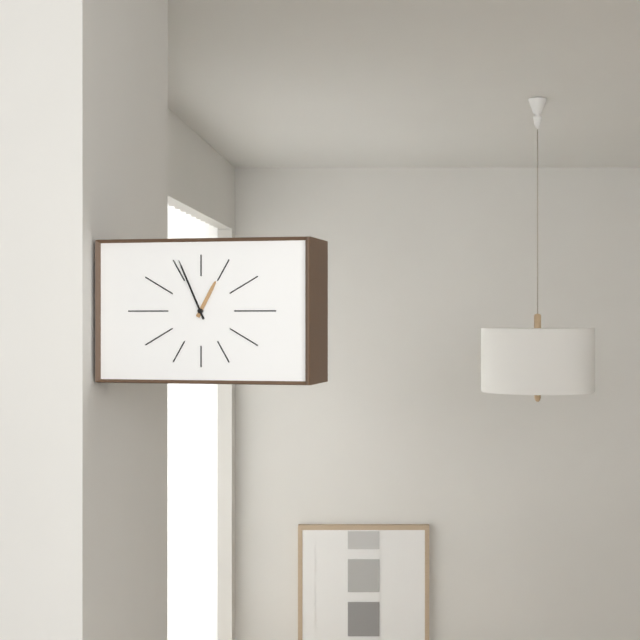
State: 12:56
